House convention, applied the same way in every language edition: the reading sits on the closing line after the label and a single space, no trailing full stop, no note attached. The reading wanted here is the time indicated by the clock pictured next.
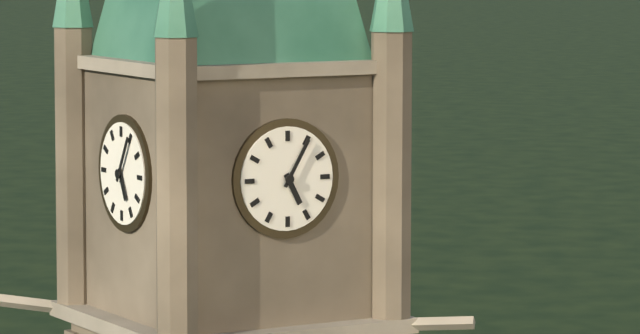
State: 5:05
